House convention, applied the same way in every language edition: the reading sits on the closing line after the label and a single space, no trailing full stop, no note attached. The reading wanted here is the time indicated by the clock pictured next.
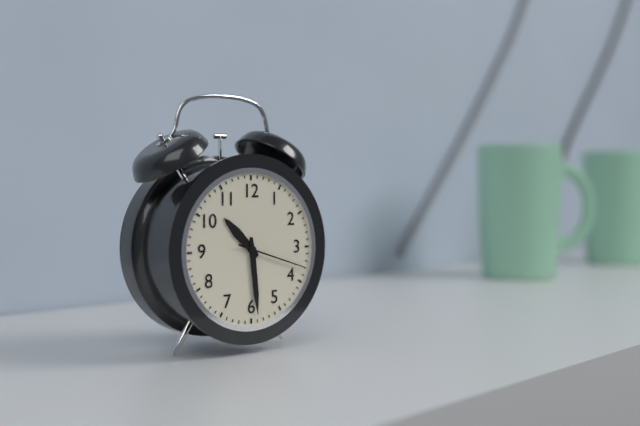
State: 10:29:18
